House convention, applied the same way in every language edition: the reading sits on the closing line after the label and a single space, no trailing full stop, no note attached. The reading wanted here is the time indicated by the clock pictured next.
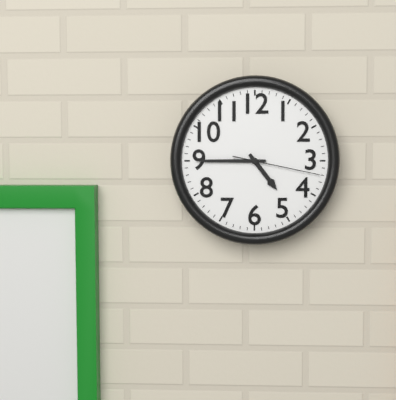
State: 4:45:17
